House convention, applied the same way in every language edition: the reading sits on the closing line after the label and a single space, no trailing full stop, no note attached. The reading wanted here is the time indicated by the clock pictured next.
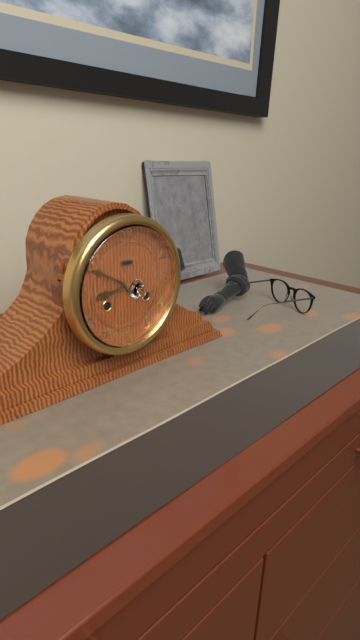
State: 8:50
